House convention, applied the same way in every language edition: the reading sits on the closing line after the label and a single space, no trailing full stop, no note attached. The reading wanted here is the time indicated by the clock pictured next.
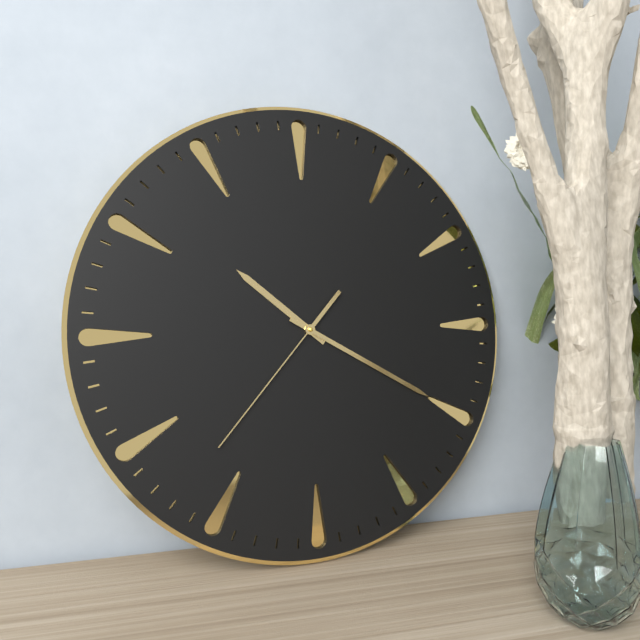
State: 10:20:37
